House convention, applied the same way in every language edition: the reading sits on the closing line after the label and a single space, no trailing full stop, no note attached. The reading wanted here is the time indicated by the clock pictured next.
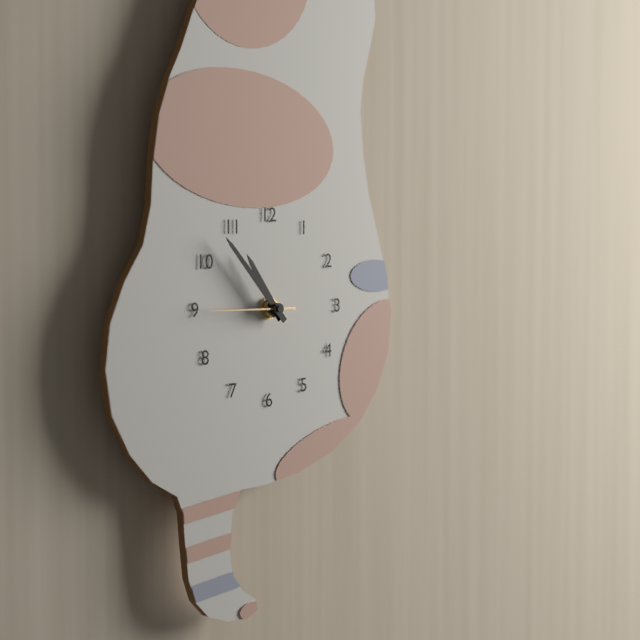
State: 10:53:45
